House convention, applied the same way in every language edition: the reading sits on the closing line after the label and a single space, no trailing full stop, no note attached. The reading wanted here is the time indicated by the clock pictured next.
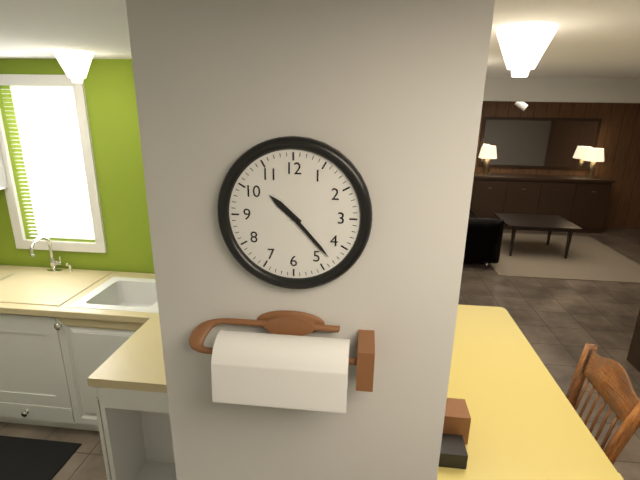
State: 10:23
